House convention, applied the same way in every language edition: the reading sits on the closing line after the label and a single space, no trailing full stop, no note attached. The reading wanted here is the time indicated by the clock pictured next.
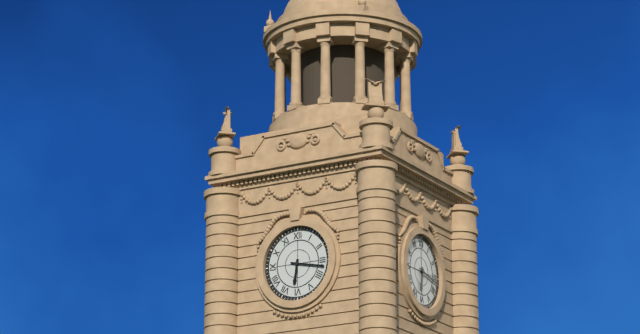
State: 6:17
